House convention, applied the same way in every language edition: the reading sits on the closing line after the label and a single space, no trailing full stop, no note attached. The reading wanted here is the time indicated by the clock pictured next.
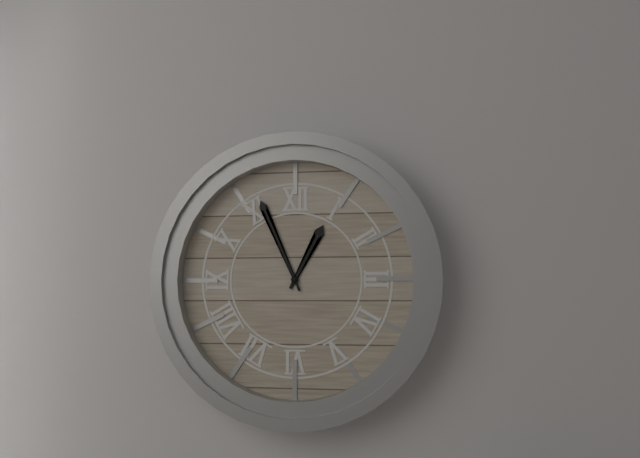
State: 12:56
